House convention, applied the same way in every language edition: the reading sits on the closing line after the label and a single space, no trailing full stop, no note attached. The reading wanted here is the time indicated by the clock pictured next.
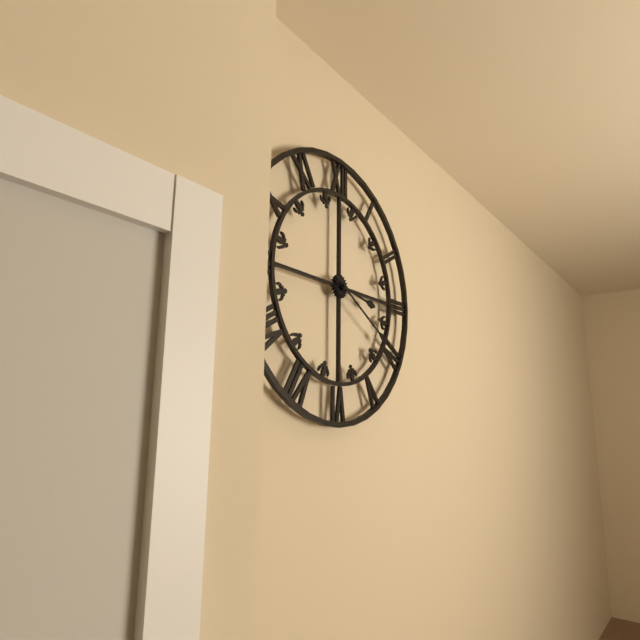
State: 3:20
